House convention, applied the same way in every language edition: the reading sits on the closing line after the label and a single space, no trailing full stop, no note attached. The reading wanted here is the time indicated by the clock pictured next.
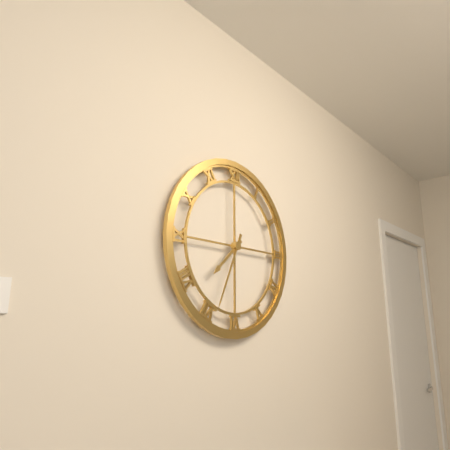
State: 7:34
